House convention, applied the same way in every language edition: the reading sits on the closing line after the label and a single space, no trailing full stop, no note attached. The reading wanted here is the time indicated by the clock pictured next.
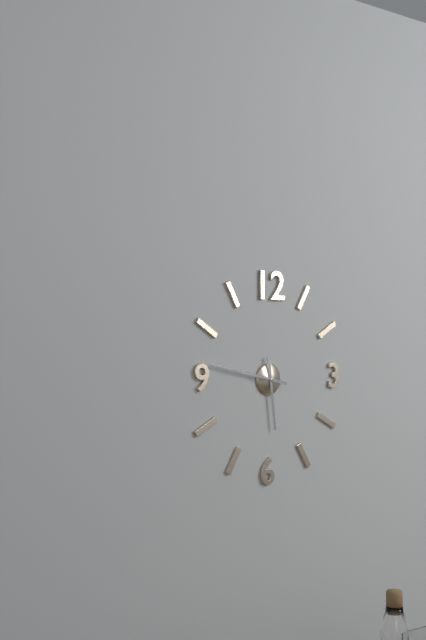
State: 5:47
